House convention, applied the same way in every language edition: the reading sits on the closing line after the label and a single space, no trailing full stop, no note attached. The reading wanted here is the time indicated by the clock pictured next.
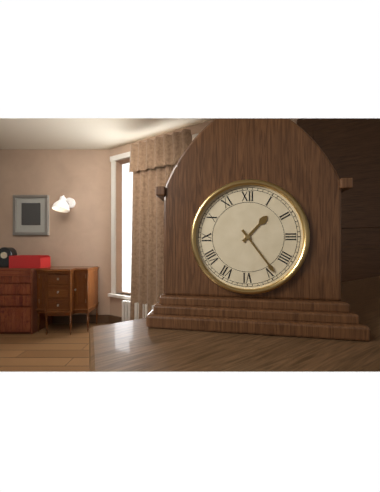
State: 1:24
